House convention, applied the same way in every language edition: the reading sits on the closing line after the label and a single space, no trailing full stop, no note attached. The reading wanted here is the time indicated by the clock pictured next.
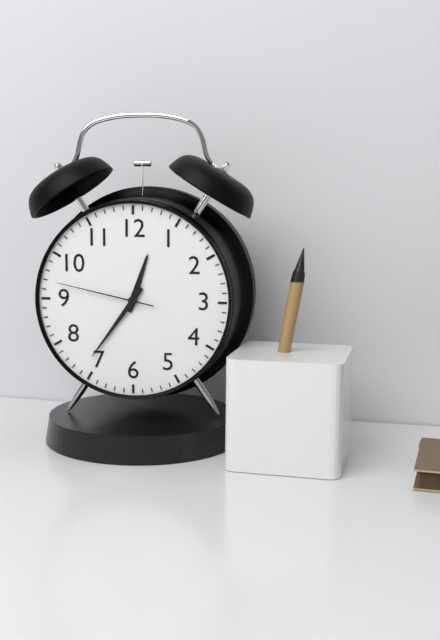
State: 12:36:47
